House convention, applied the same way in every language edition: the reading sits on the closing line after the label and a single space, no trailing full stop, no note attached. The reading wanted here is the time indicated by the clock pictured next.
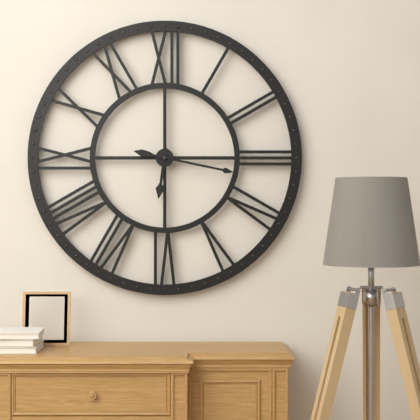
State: 6:17
